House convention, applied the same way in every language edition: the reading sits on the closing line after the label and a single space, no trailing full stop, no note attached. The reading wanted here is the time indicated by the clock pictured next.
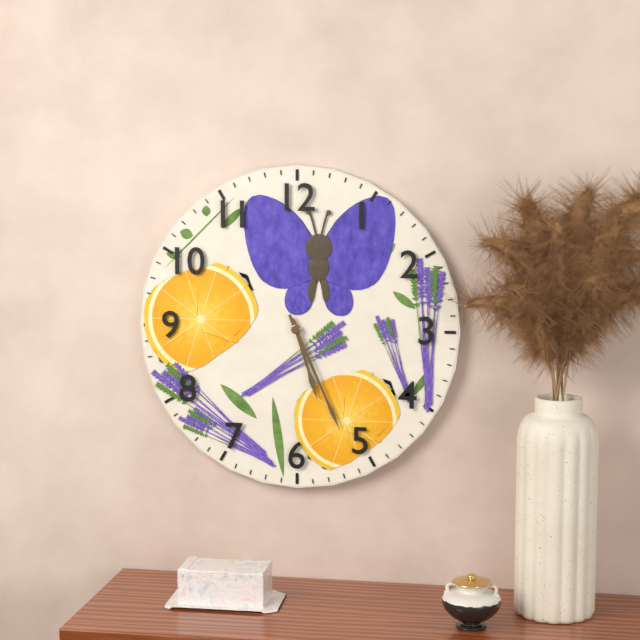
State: 5:26
